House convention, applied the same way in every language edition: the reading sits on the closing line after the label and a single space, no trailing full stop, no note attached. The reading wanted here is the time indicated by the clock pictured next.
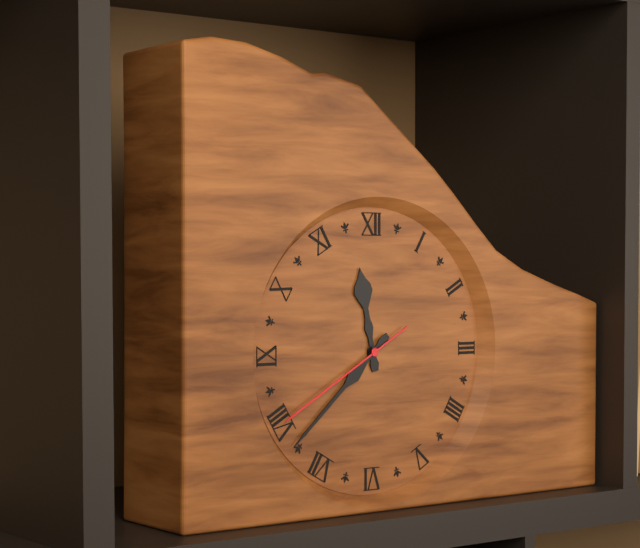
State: 11:38:40
